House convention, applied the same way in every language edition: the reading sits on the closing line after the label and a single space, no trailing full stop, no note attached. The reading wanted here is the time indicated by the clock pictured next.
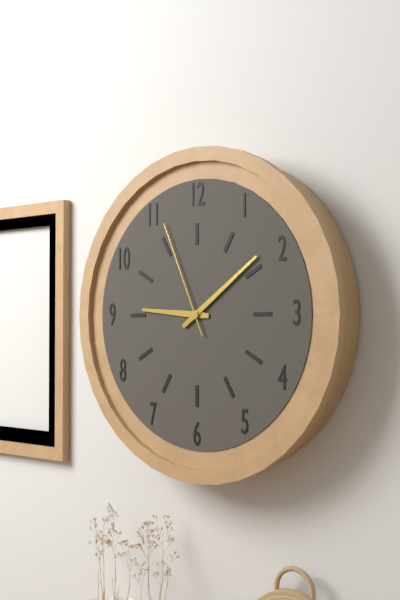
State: 9:09:56
